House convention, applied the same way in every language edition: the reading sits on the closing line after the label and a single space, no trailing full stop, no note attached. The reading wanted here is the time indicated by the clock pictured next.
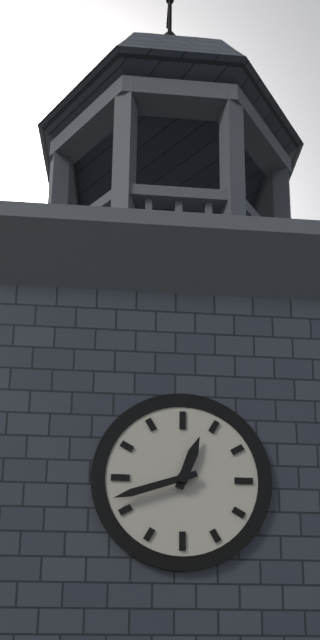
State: 12:42
